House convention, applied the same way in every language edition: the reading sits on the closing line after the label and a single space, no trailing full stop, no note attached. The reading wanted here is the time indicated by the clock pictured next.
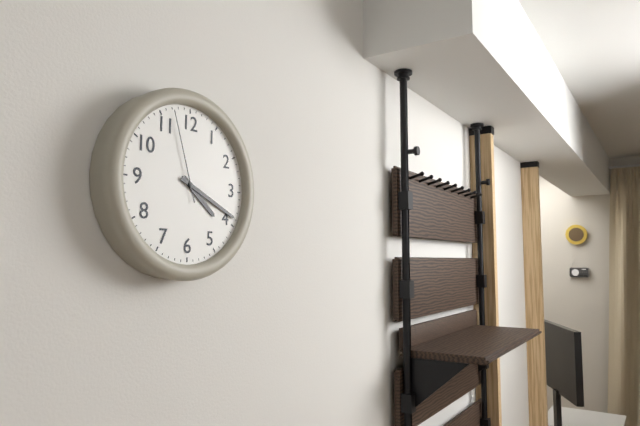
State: 4:19:57
